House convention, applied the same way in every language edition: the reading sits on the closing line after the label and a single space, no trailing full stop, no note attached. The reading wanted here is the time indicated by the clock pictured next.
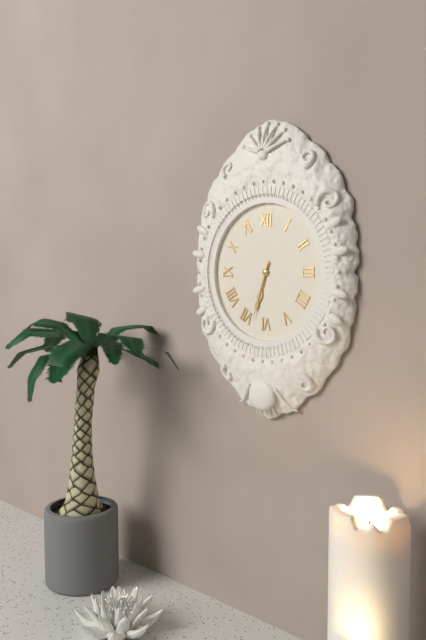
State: 6:33
